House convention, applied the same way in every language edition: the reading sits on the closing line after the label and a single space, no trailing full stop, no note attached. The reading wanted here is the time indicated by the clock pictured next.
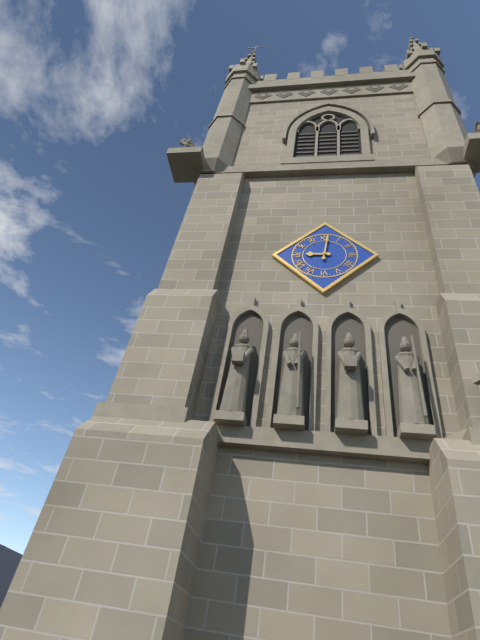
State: 9:01
